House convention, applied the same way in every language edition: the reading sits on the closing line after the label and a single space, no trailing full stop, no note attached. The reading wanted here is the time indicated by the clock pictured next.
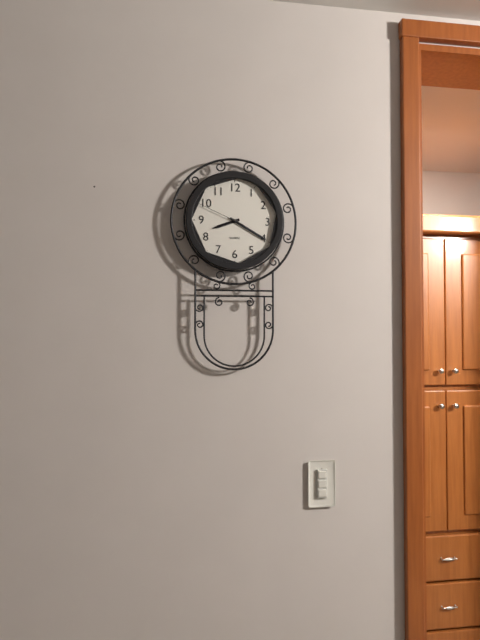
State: 8:20:49
